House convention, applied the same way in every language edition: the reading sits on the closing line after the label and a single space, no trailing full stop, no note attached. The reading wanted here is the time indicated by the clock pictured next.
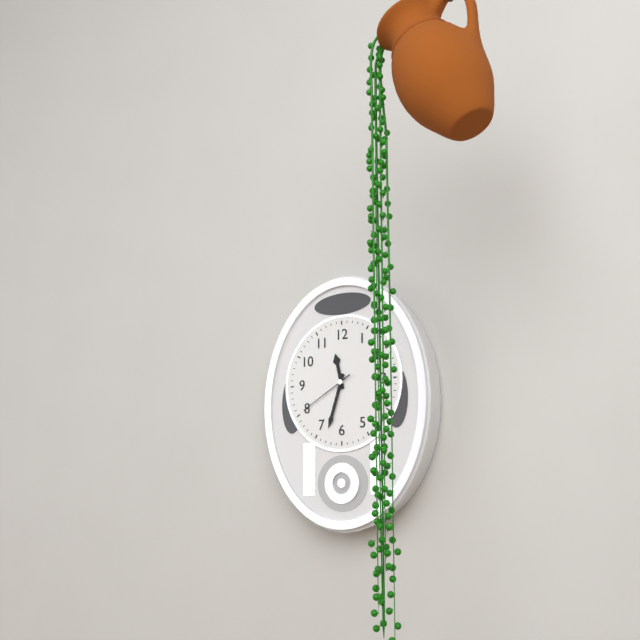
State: 11:33:40
